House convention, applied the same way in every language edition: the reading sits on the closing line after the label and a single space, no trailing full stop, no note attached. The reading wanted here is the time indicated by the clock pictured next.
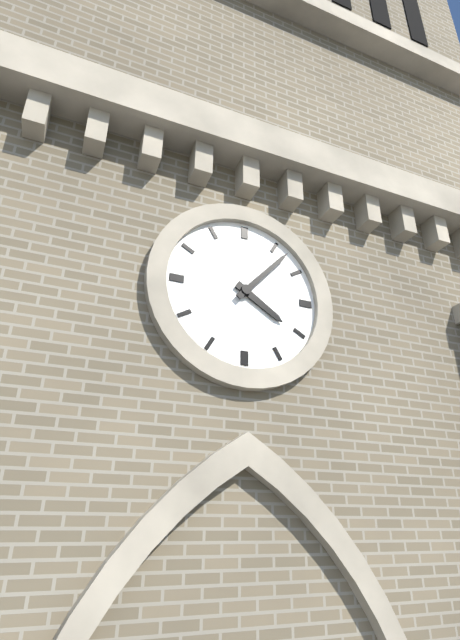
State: 4:07
